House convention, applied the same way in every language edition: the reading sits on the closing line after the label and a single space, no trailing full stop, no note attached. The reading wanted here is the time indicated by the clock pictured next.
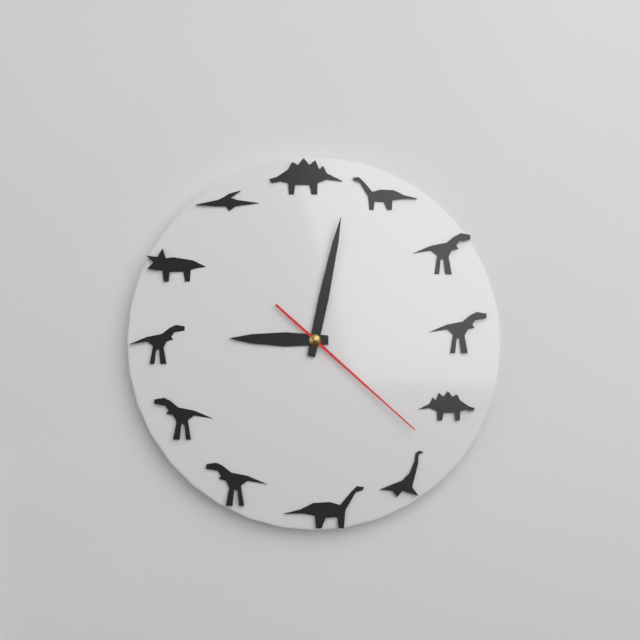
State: 9:02:22
